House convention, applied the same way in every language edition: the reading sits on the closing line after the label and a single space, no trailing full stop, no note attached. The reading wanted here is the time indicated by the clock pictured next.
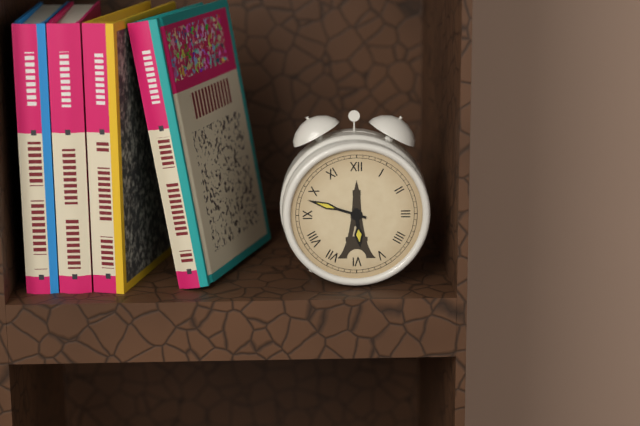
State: 5:48
